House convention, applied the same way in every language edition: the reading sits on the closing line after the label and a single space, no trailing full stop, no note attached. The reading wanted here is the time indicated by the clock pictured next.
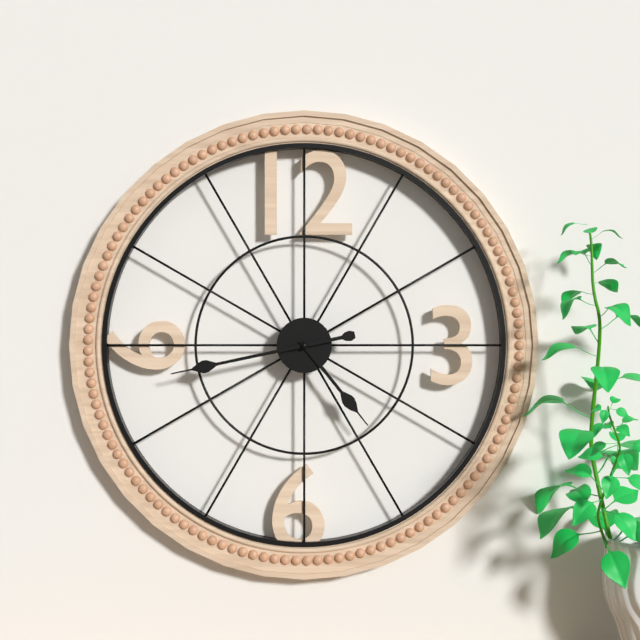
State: 4:43
